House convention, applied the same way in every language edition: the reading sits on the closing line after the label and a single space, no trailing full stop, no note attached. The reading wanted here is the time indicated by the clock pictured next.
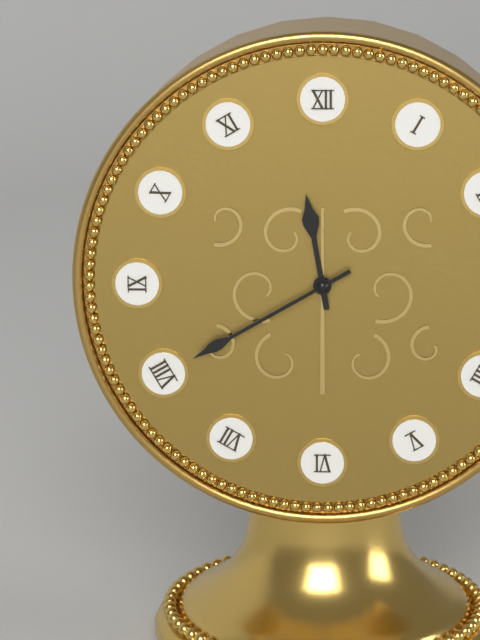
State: 11:40
